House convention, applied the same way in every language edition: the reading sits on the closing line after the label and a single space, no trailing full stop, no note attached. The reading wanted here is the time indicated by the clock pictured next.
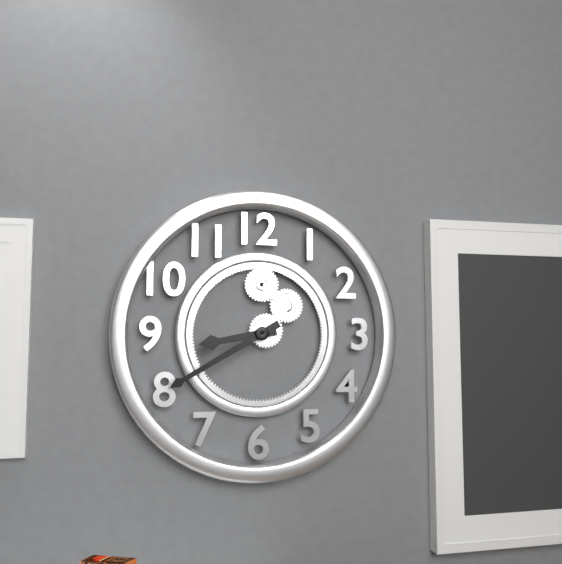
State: 8:40
